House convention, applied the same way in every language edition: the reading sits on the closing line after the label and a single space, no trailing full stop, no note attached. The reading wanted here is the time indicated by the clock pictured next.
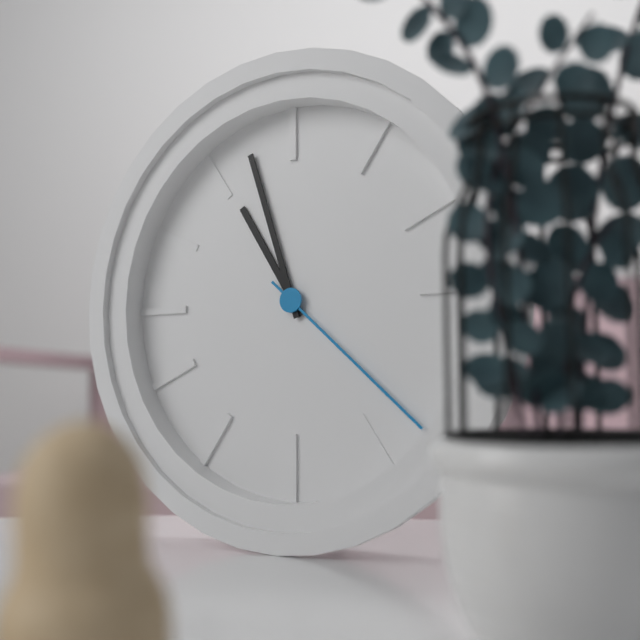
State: 10:57:22
